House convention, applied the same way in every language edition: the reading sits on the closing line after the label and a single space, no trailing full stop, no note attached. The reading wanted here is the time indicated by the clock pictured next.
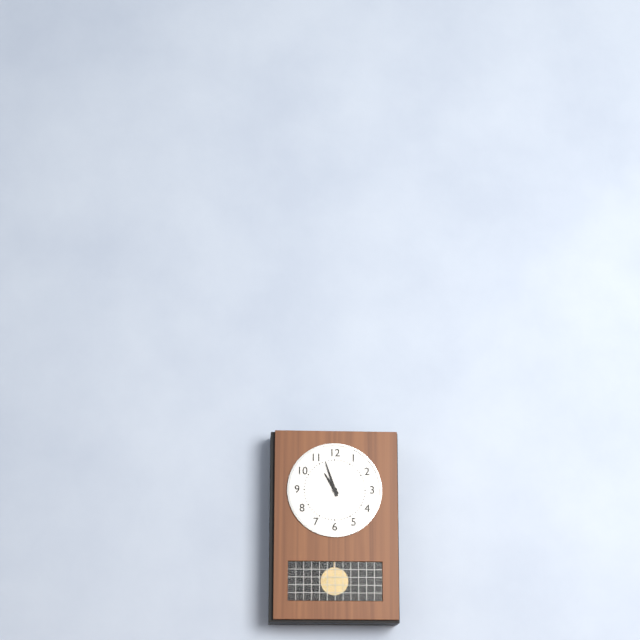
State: 10:57
